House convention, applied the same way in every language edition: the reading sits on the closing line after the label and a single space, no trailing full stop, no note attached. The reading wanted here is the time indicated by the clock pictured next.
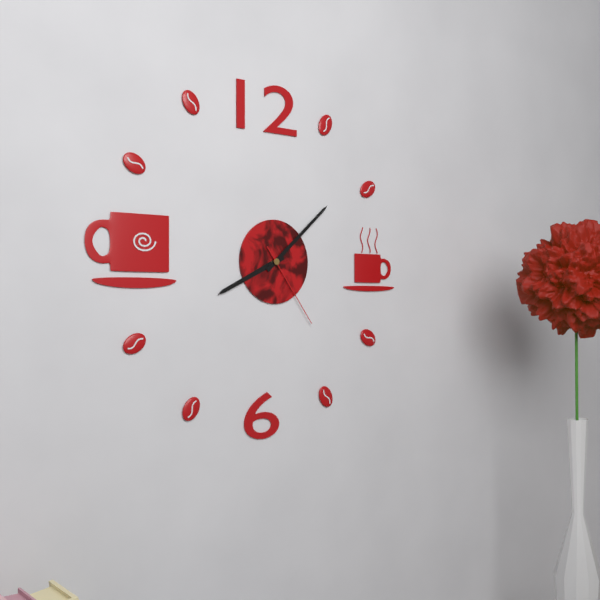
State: 8:08:24
